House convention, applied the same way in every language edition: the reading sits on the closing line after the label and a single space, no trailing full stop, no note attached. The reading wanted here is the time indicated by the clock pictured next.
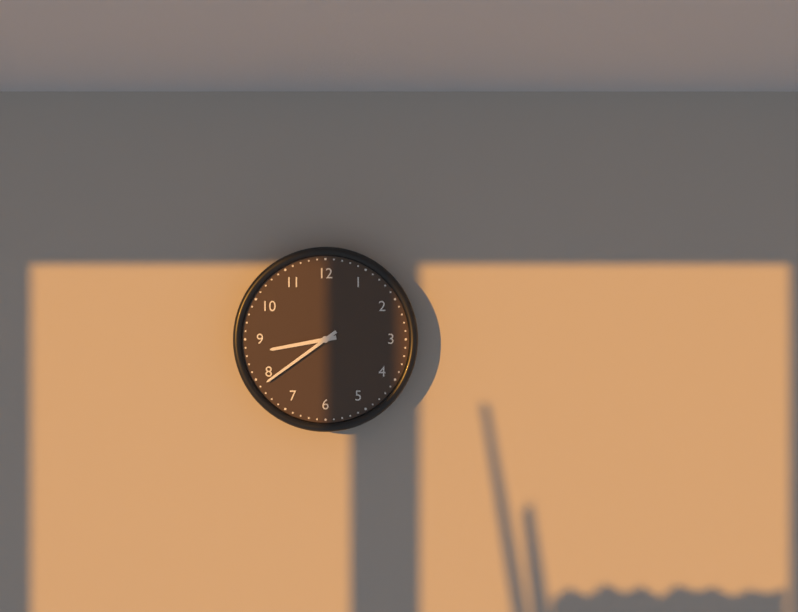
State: 8:39
